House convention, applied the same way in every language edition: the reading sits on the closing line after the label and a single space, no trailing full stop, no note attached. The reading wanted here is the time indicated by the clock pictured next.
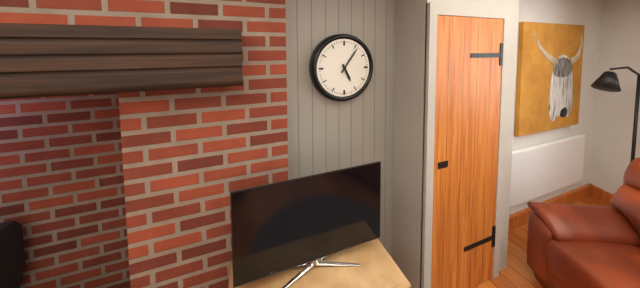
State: 5:06
